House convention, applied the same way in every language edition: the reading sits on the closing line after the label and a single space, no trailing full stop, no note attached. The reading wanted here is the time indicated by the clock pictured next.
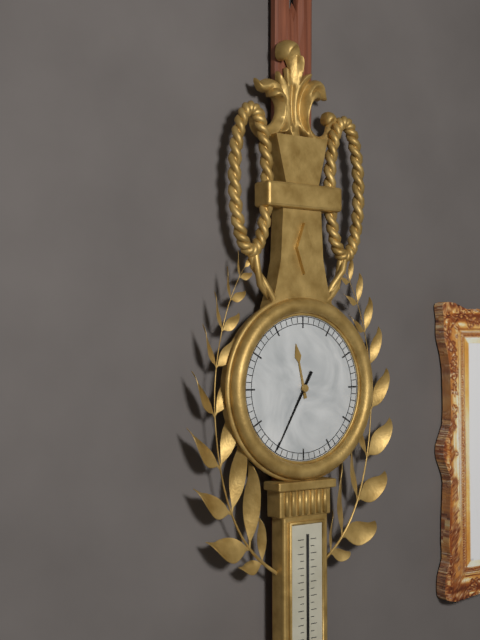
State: 11:35
